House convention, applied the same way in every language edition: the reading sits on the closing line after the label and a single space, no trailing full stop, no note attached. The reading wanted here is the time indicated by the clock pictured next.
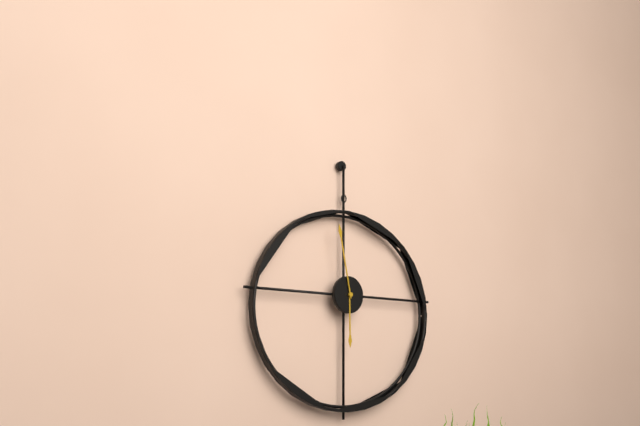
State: 5:58
